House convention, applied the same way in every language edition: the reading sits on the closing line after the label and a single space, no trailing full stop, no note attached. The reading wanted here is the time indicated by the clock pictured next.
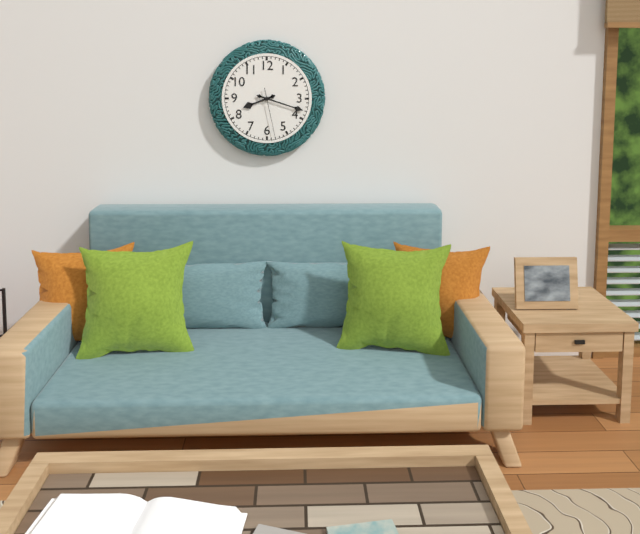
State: 8:18:28
